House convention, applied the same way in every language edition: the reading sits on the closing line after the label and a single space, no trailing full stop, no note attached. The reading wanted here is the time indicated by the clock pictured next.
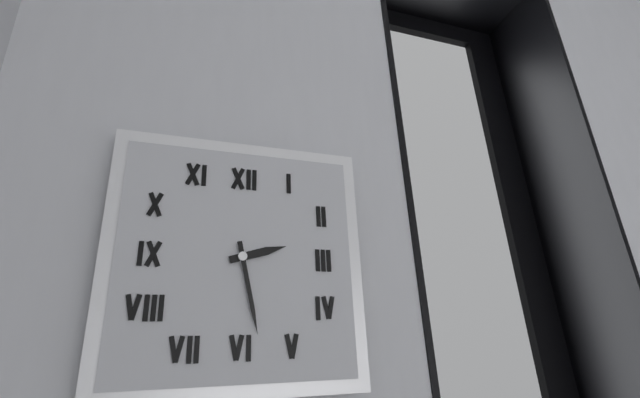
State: 2:28
